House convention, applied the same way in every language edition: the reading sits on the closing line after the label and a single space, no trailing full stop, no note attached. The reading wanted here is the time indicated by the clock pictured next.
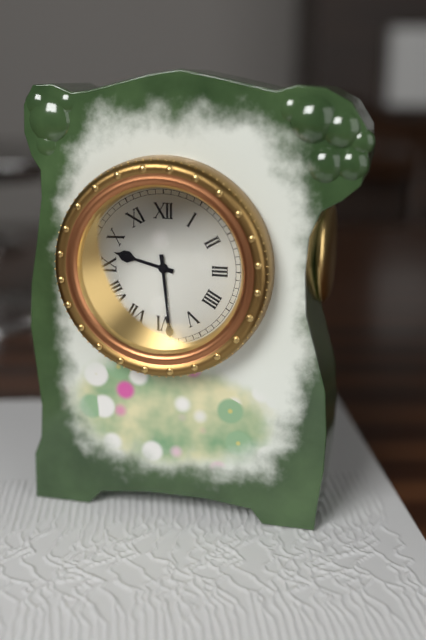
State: 9:29
